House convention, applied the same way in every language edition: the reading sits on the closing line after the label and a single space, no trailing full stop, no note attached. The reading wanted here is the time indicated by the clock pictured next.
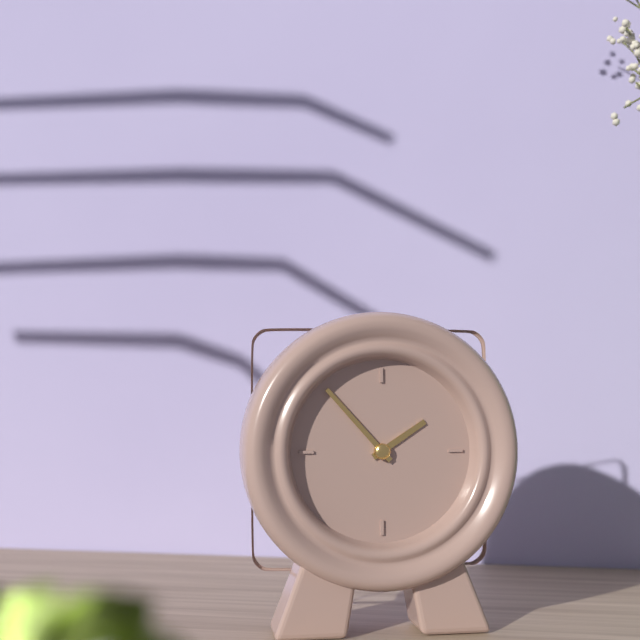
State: 1:53
